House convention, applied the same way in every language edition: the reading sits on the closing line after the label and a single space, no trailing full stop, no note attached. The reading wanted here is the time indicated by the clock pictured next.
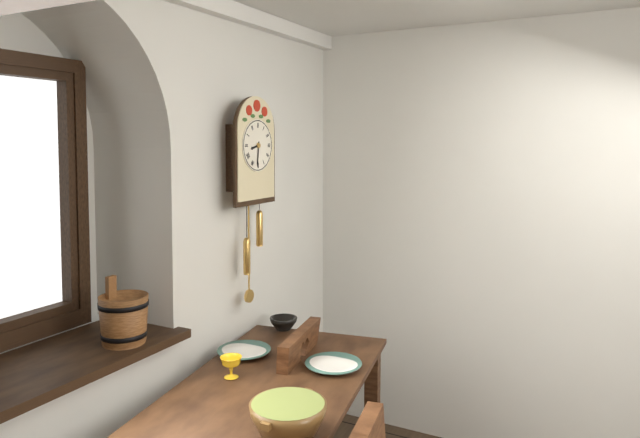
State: 8:31
